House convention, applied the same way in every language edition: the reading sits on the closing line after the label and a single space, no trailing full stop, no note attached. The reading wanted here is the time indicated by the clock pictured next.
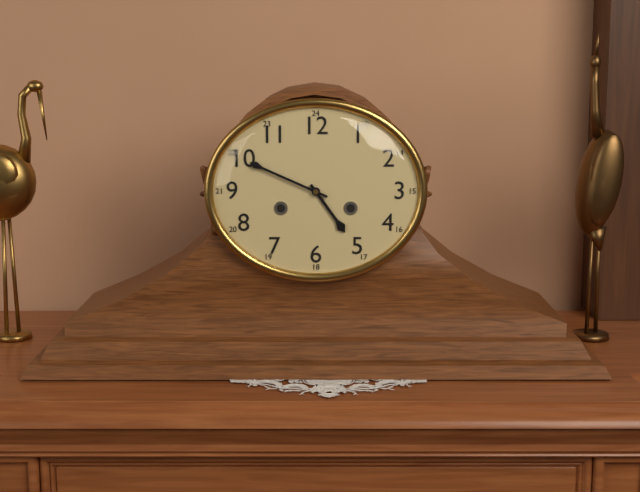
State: 4:49
